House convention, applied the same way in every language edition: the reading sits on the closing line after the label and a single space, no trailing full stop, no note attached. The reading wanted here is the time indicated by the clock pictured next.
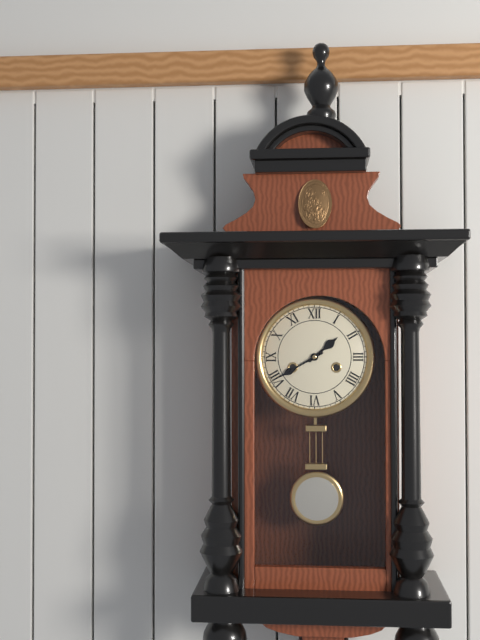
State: 1:40
